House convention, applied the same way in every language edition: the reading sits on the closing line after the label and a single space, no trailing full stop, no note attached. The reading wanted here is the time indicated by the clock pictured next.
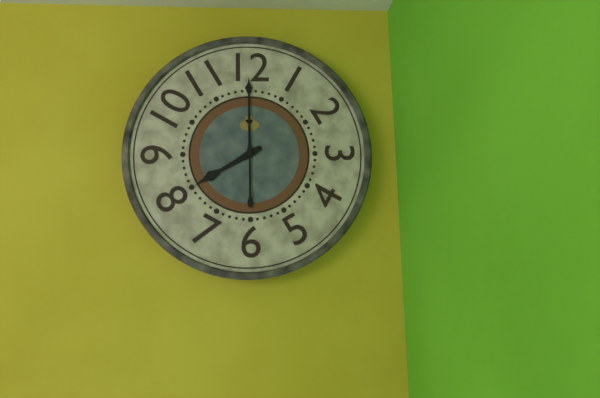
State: 8:00
